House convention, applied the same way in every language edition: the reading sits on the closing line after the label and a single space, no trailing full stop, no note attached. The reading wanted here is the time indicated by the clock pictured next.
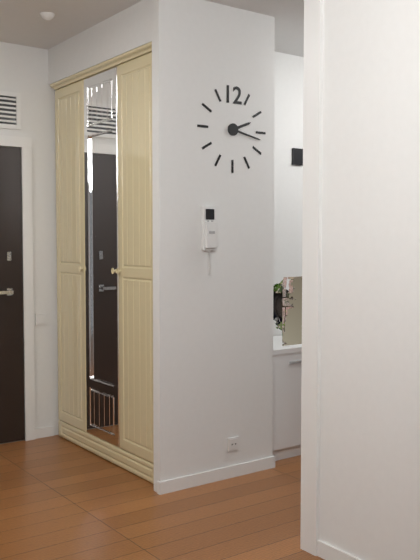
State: 2:17
